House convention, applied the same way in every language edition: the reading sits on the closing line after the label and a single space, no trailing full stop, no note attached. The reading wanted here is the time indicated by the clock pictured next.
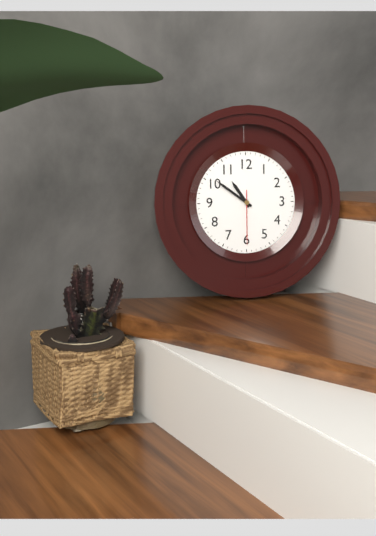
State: 10:51:30
